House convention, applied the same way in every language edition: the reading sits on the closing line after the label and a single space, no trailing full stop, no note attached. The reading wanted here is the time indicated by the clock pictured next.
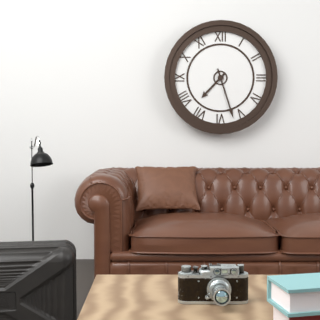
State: 7:27
